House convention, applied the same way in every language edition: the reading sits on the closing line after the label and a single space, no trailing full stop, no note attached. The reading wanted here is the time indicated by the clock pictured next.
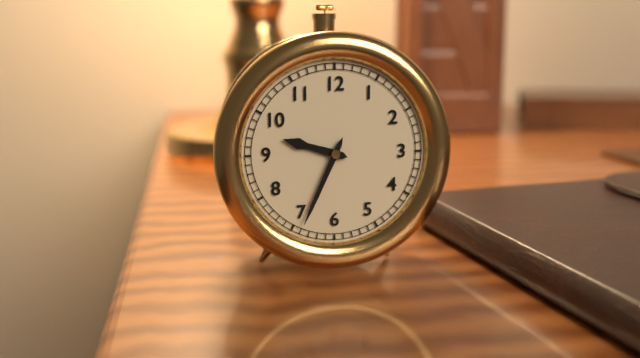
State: 9:34
